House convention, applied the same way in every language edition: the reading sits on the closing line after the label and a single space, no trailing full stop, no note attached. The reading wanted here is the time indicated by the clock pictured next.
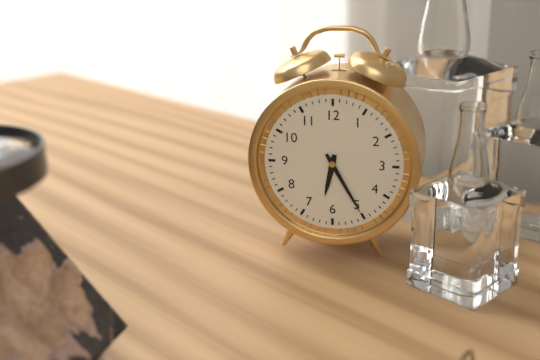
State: 6:25
